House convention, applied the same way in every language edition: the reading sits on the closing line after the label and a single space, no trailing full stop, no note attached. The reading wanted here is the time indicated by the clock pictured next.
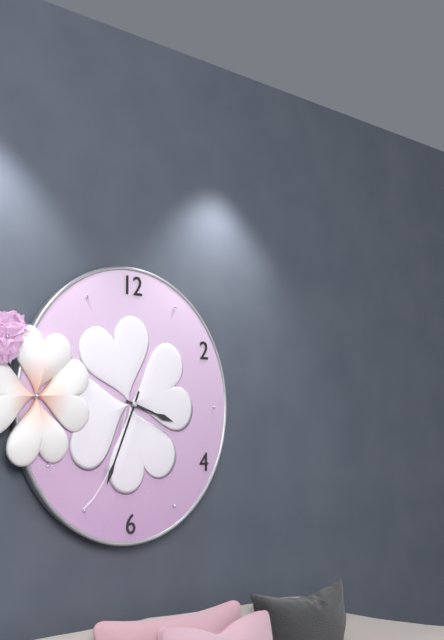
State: 3:34
